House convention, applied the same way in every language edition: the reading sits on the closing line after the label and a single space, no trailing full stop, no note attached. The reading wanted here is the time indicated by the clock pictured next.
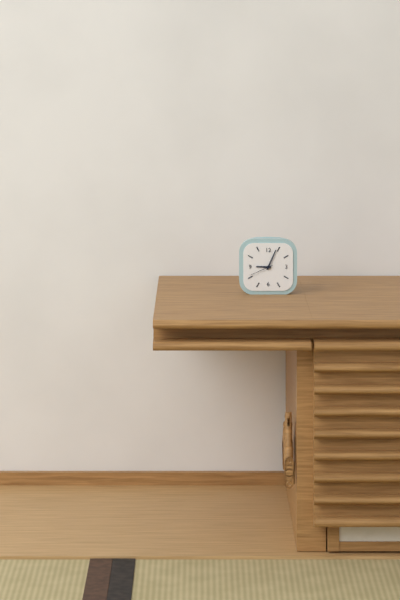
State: 9:04
